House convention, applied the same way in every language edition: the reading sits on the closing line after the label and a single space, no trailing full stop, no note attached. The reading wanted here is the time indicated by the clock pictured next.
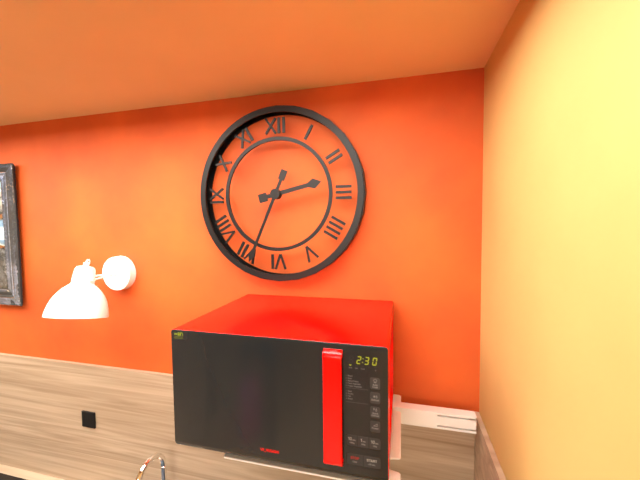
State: 2:34
